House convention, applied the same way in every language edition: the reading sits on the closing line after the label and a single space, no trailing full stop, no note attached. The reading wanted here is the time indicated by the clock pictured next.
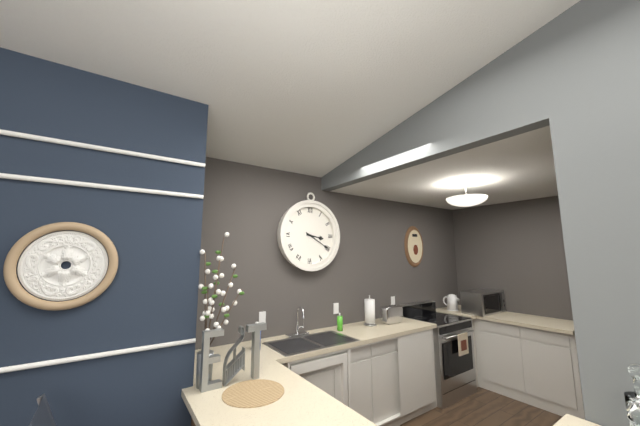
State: 3:20
